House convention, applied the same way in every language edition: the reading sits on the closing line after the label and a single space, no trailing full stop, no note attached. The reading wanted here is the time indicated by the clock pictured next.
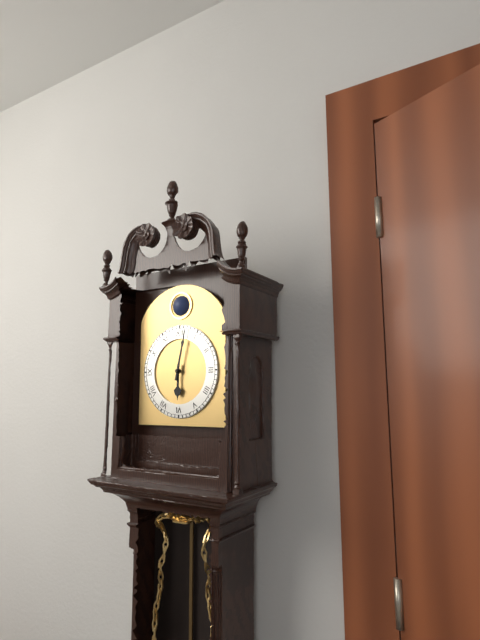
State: 6:02
